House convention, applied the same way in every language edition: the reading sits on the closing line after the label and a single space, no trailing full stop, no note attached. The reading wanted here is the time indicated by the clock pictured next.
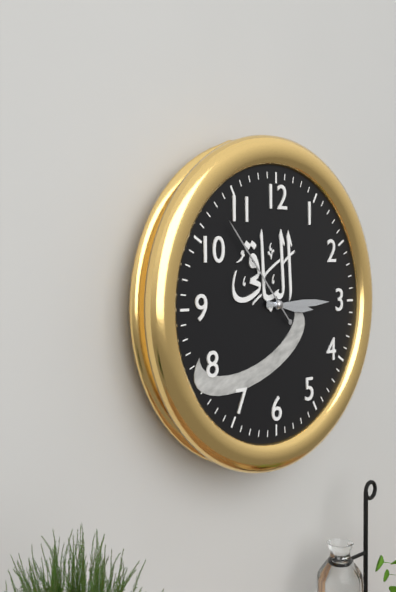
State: 3:15:53
